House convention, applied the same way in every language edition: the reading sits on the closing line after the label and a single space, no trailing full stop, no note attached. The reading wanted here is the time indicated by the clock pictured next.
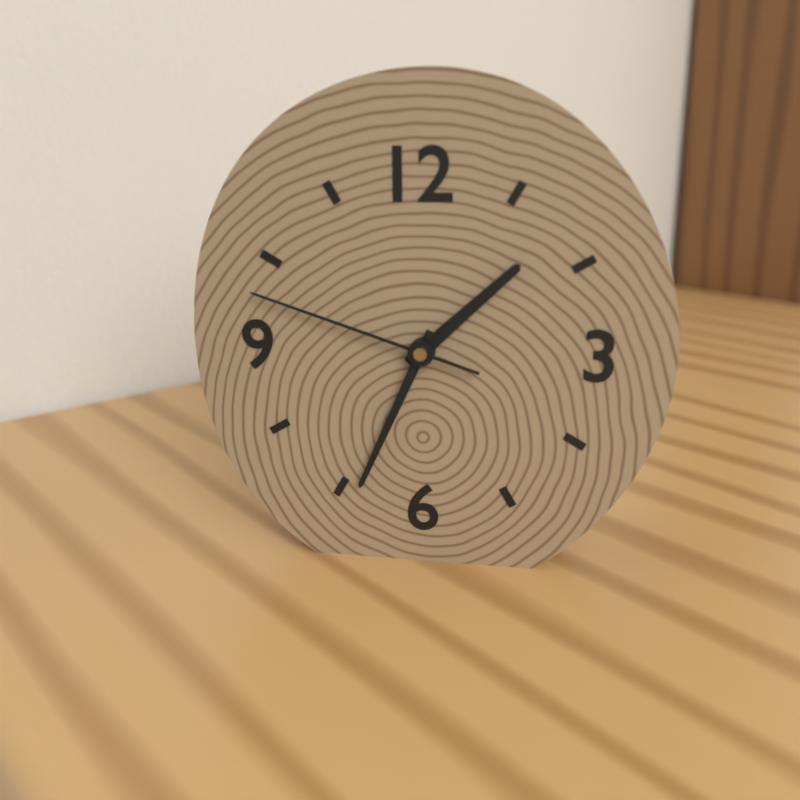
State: 1:34:48
